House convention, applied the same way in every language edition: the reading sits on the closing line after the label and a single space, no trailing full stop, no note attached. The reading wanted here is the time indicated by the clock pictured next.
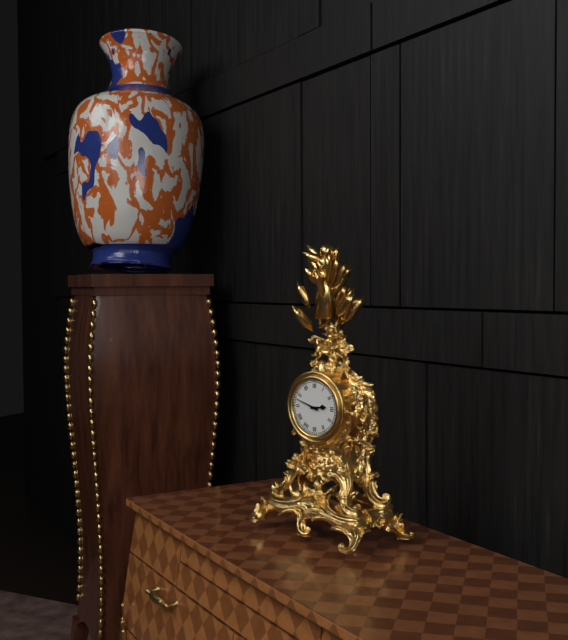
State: 2:48
